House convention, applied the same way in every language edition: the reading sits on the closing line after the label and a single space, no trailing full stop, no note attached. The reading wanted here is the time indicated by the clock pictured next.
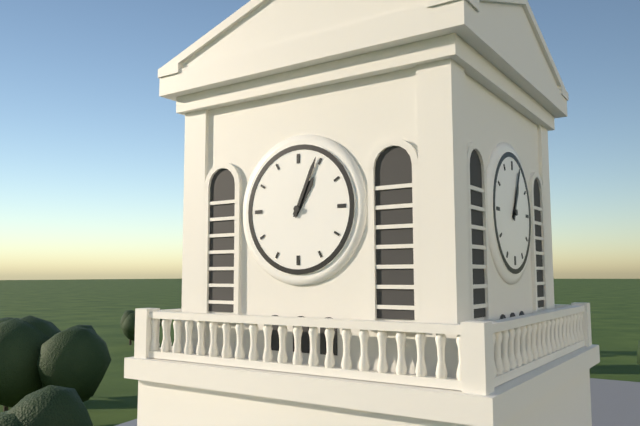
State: 1:04
